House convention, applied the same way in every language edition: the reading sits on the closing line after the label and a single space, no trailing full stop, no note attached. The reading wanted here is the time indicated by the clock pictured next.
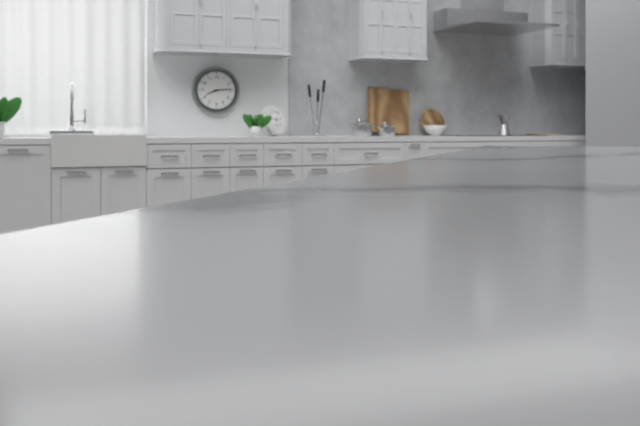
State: 8:14
